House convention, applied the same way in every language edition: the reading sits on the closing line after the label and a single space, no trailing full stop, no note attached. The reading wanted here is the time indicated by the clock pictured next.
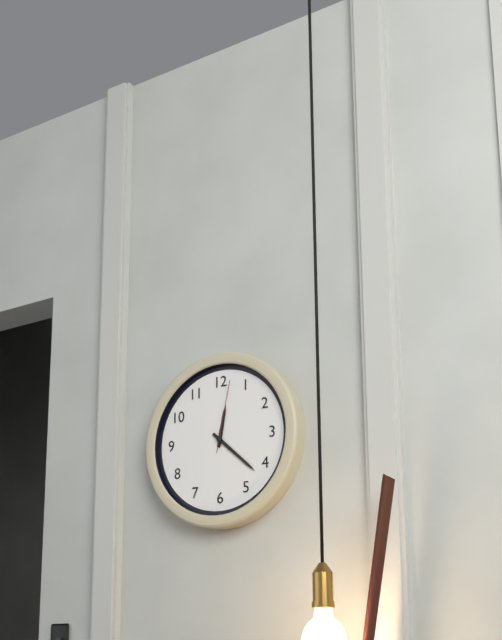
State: 12:22:02
